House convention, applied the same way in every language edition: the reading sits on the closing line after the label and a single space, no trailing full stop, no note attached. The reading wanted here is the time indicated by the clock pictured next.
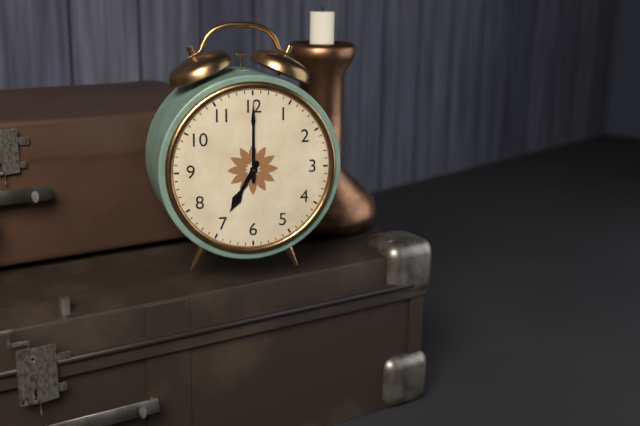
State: 7:00
